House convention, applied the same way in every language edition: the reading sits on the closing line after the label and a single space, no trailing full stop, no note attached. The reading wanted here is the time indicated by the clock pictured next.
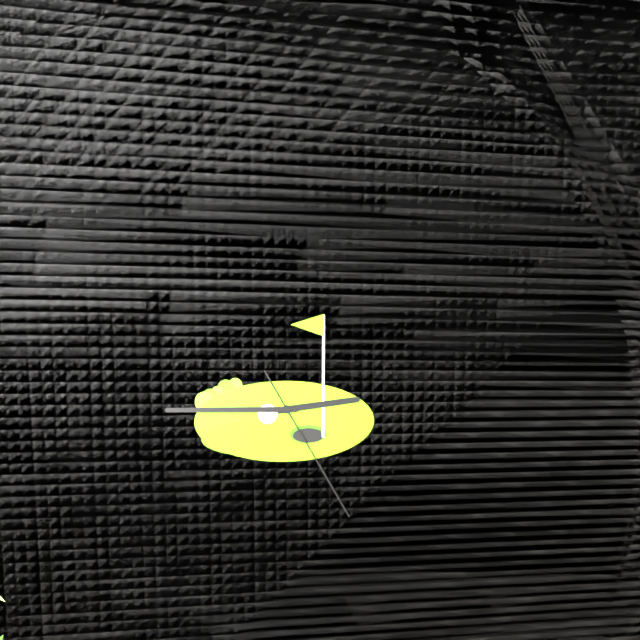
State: 2:45:25
